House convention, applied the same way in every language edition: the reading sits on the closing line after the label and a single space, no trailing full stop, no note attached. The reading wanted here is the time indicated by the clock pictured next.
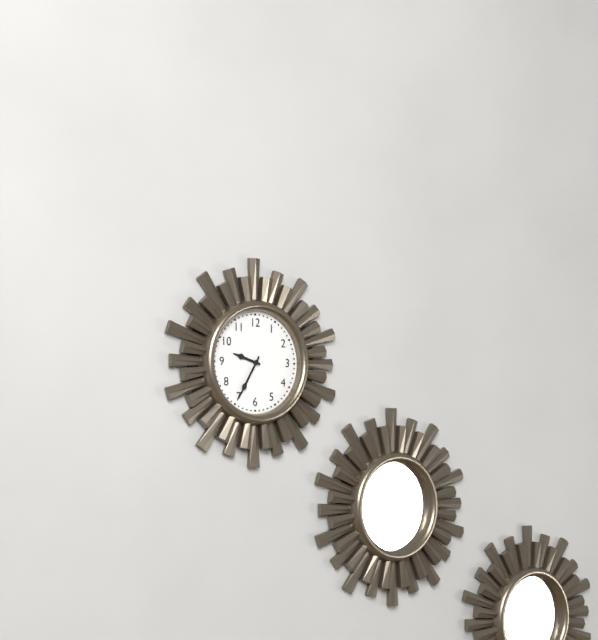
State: 9:35
